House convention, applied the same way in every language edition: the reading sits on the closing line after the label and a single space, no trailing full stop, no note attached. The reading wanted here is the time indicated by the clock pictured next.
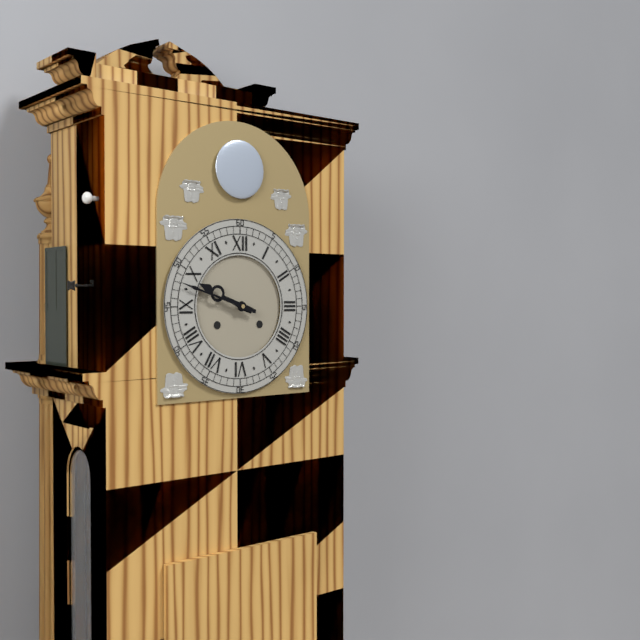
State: 9:48
